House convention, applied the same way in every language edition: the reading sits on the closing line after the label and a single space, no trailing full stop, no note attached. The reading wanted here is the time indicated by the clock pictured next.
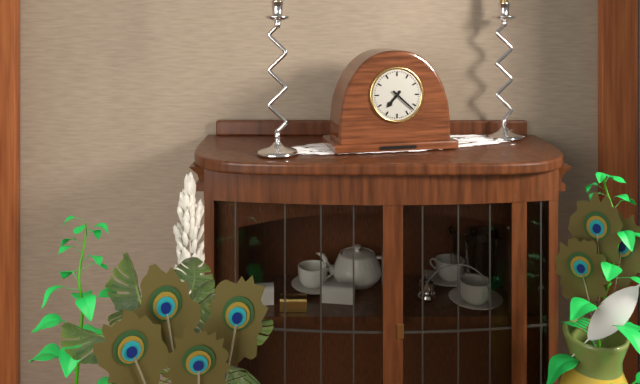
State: 7:22
